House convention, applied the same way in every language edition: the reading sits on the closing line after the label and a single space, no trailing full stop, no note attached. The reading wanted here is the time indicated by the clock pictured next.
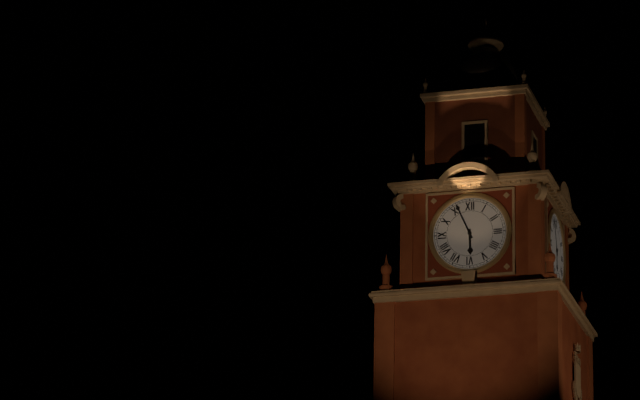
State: 5:56
